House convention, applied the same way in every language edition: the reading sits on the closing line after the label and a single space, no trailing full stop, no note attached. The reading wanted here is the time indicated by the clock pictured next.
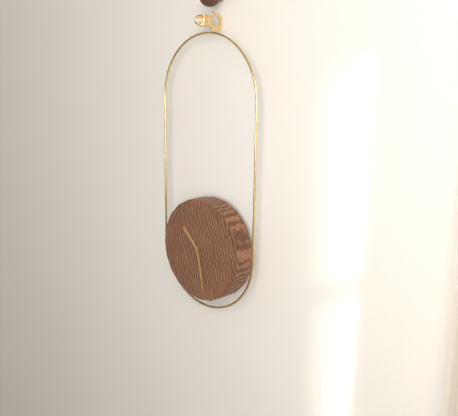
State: 10:28
